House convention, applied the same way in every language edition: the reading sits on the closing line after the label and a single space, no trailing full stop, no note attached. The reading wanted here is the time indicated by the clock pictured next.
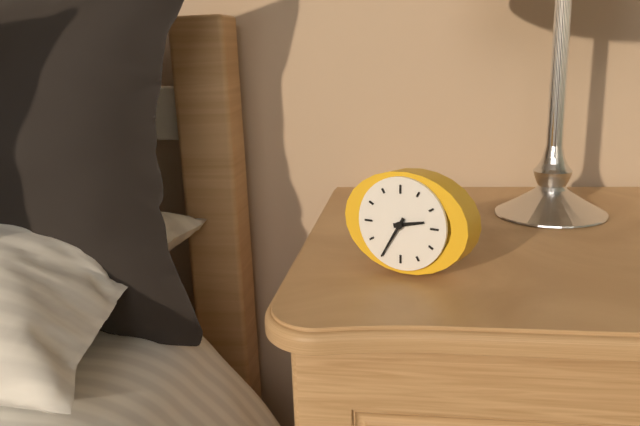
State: 2:35
